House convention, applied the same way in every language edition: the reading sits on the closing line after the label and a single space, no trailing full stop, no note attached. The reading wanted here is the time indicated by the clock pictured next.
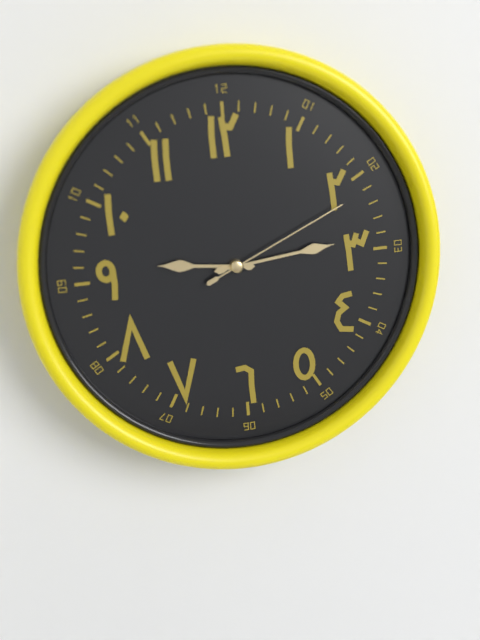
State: 9:14:11
